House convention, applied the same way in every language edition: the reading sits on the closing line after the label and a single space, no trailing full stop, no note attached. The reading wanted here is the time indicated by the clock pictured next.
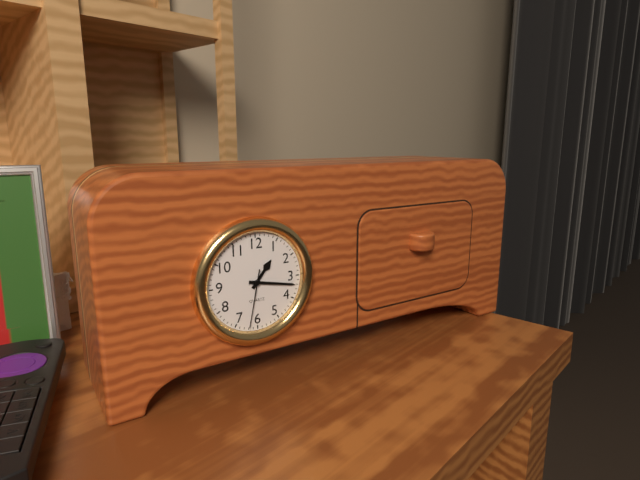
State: 1:17:32
